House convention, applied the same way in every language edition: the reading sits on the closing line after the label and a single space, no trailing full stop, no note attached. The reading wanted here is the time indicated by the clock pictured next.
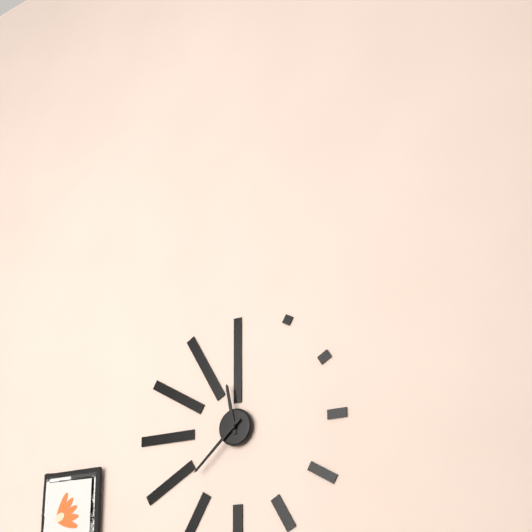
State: 11:38
